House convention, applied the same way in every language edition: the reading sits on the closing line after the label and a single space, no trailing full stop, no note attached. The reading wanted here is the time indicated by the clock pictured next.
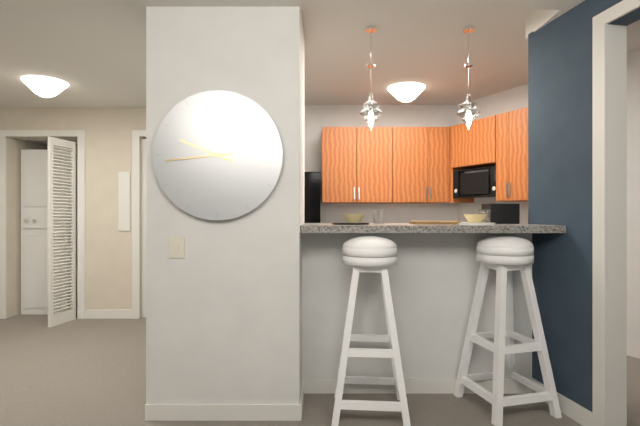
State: 9:44
